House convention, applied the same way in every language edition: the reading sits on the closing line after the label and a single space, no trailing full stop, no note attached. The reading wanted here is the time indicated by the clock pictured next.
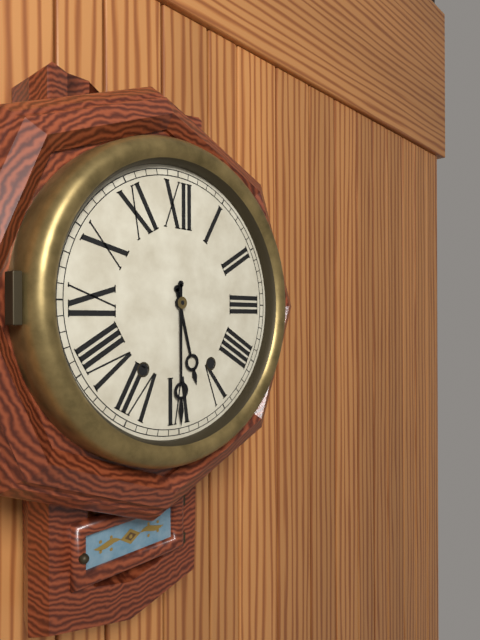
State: 5:30
